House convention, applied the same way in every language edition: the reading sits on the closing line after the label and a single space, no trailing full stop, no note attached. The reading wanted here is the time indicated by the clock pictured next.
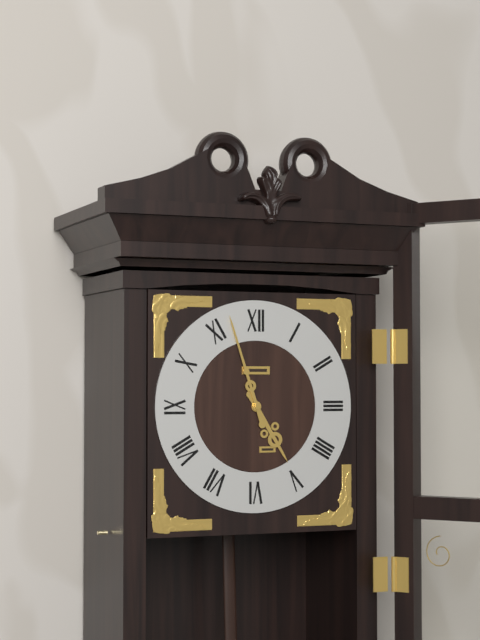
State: 4:57
